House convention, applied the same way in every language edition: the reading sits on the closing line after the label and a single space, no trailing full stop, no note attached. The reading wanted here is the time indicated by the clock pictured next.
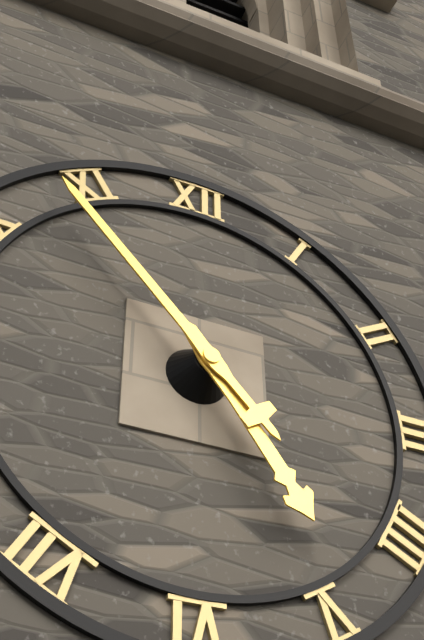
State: 4:53
